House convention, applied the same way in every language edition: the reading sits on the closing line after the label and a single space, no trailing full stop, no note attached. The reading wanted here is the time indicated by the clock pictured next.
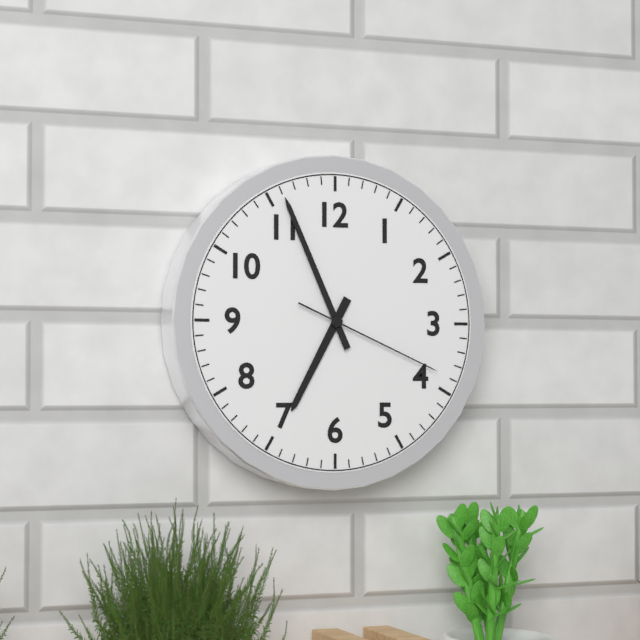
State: 6:56:19
